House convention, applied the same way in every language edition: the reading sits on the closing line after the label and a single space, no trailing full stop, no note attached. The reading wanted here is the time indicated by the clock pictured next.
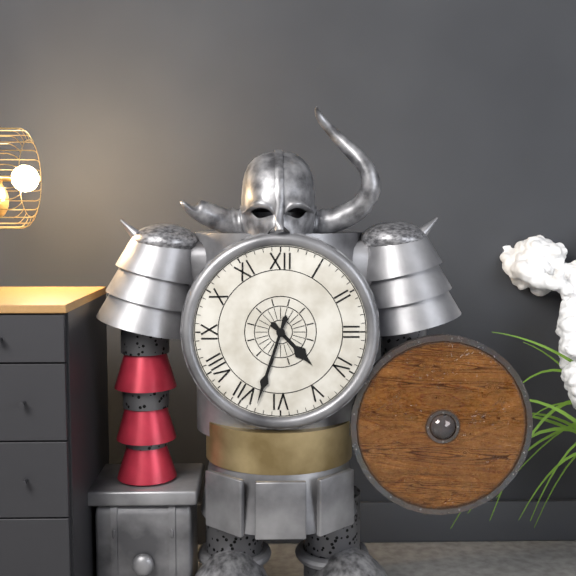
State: 4:33
